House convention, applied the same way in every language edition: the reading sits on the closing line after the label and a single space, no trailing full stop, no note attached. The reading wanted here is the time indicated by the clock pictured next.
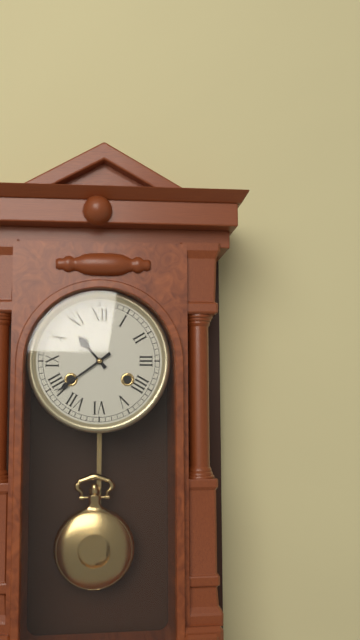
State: 10:39
